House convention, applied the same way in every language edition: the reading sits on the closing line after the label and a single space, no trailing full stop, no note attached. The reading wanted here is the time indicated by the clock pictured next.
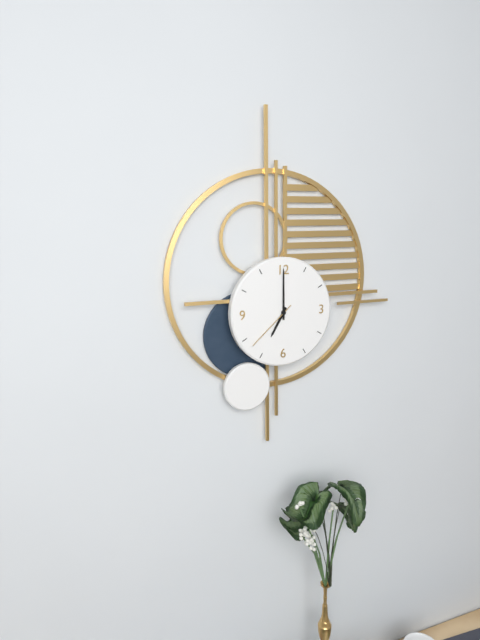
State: 7:00:38
